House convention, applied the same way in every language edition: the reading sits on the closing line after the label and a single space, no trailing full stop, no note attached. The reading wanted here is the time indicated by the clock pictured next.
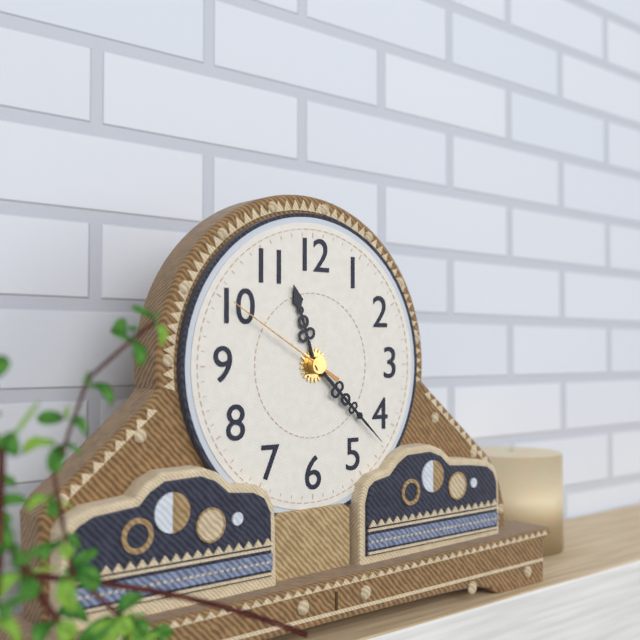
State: 11:22:50
